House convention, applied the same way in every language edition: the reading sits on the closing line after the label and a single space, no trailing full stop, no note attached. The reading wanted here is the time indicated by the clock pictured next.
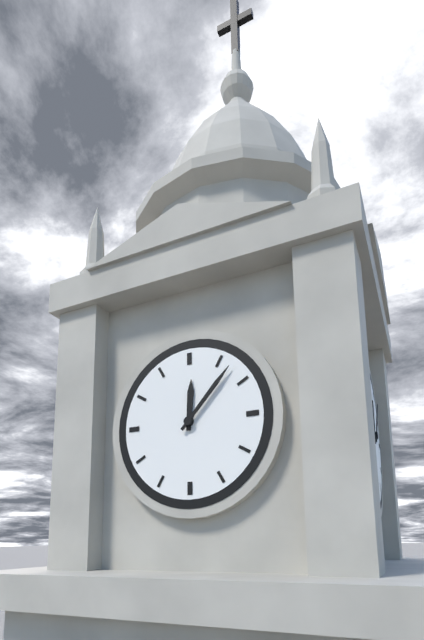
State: 12:07
